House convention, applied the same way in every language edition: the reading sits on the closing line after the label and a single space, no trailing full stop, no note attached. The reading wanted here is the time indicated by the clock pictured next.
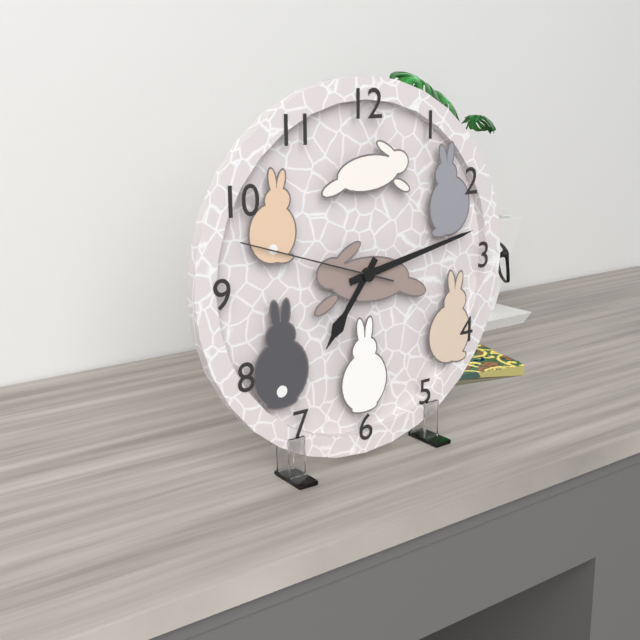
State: 7:13:48
